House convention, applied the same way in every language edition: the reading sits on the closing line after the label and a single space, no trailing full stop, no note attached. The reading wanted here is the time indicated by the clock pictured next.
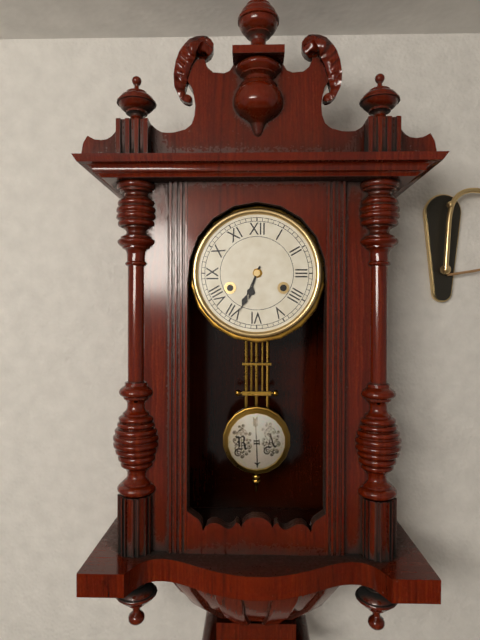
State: 6:34
